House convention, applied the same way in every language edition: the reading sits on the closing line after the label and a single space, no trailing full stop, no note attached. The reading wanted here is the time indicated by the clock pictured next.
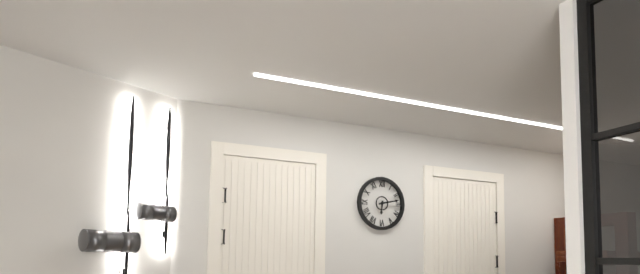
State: 6:13
